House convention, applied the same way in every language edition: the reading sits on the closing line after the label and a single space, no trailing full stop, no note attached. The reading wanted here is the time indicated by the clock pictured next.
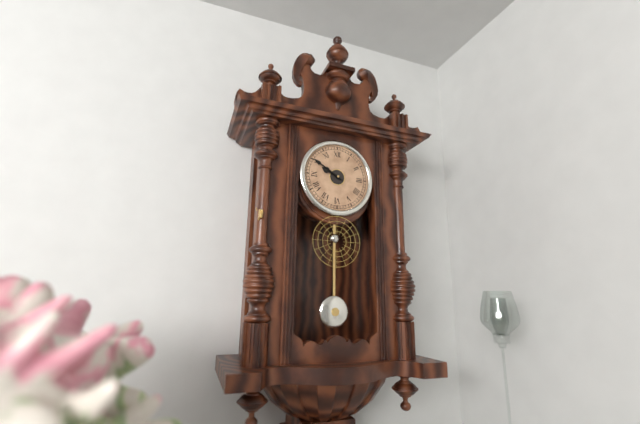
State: 9:50
